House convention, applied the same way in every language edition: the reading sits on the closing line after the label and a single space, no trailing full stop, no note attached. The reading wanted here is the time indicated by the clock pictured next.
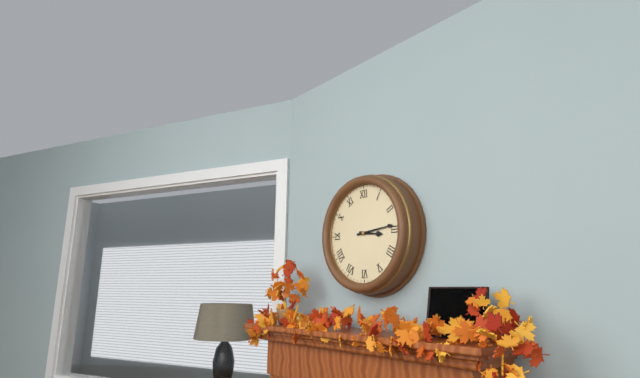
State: 3:14
